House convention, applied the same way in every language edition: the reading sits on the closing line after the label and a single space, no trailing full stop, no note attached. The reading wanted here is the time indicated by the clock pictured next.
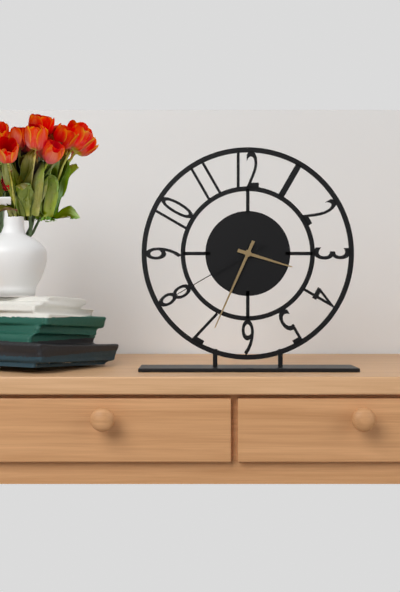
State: 3:34:40
